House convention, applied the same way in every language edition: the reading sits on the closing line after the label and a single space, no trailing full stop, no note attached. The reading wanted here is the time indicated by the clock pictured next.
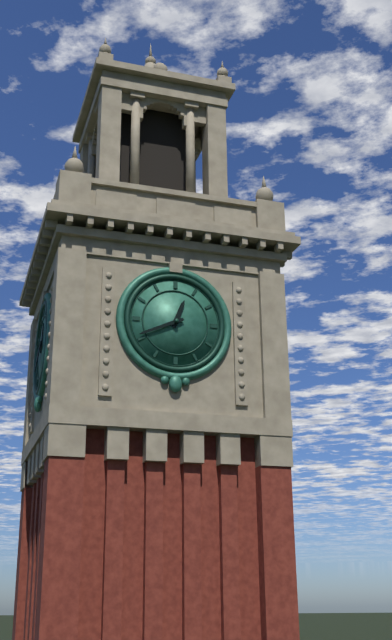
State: 12:41
